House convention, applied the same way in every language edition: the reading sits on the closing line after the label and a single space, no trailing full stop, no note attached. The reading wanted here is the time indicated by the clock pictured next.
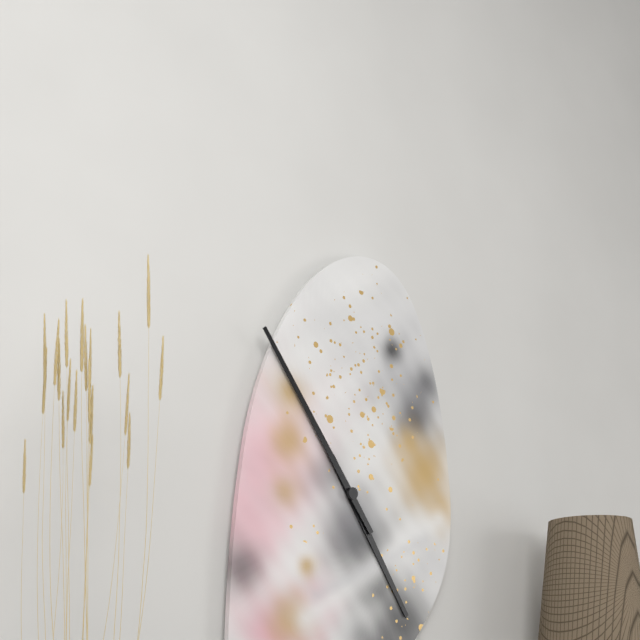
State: 4:54
